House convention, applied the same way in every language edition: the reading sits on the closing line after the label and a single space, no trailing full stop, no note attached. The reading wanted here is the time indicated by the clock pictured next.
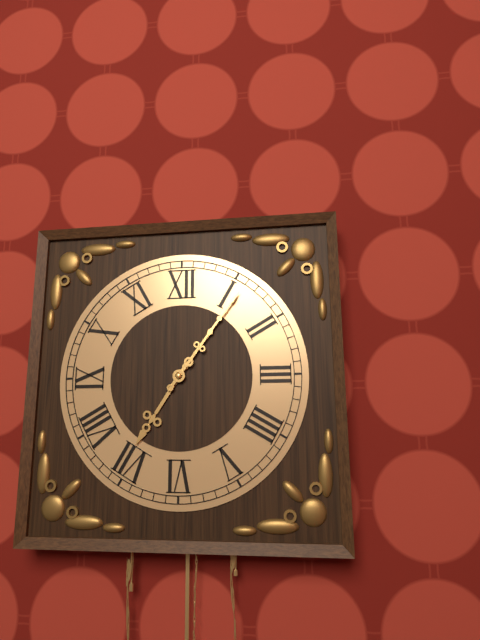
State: 7:06
